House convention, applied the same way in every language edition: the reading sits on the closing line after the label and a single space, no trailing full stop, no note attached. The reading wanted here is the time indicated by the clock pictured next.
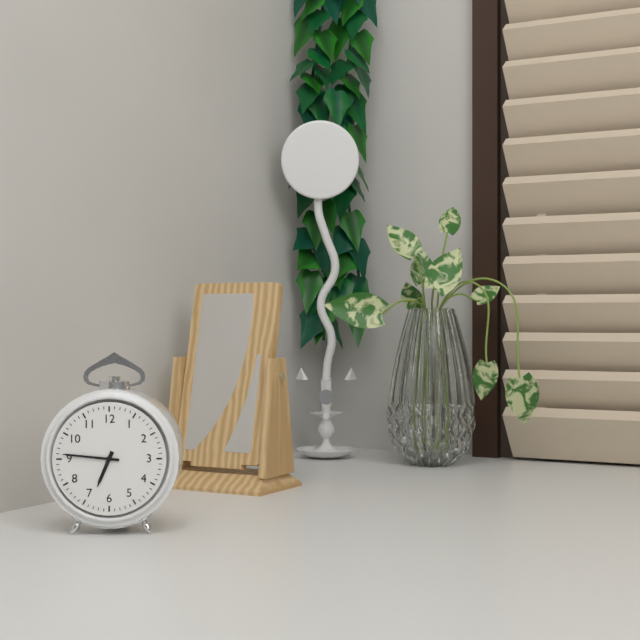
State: 6:46
